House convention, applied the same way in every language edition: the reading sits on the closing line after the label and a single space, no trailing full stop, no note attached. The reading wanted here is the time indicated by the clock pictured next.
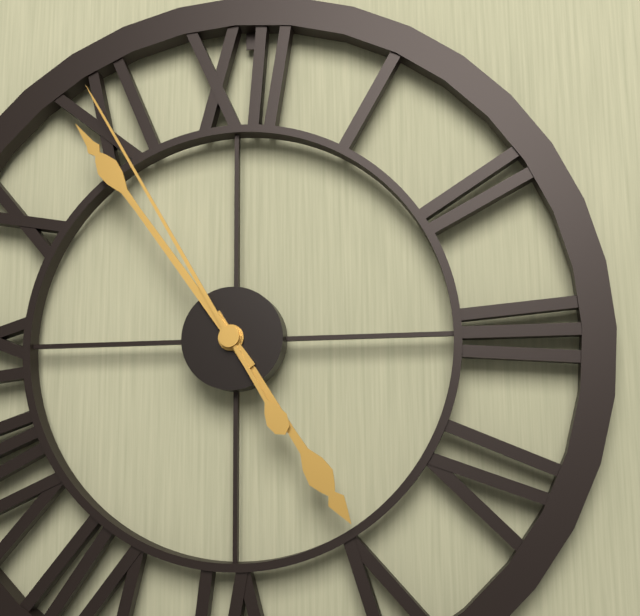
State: 4:54:55
